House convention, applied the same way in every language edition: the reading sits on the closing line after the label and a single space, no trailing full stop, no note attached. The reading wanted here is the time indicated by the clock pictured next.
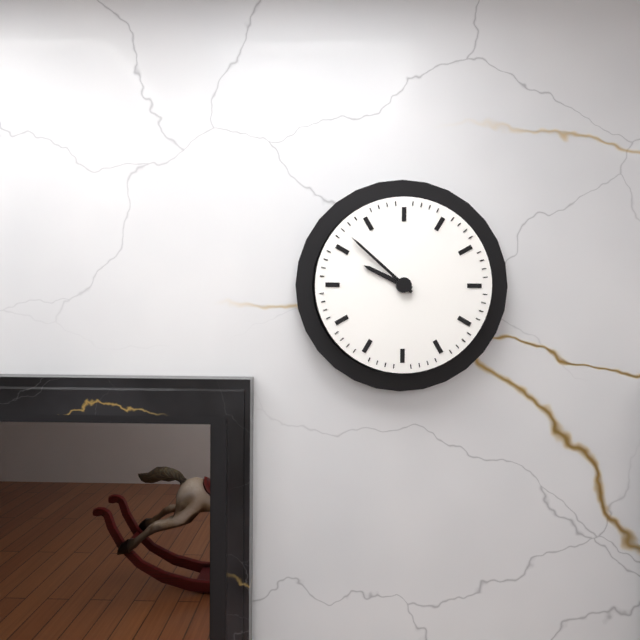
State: 9:52
